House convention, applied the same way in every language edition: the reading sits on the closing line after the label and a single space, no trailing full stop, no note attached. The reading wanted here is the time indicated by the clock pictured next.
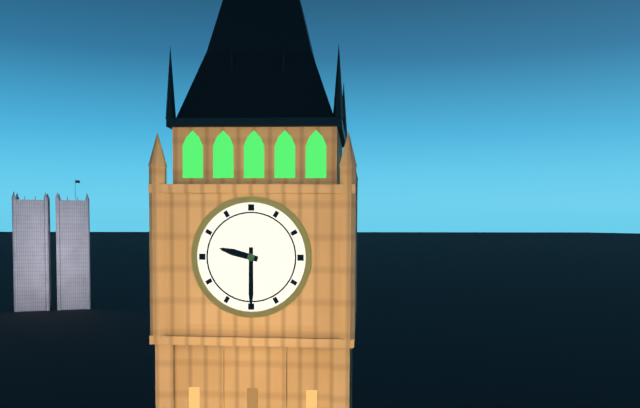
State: 9:30
